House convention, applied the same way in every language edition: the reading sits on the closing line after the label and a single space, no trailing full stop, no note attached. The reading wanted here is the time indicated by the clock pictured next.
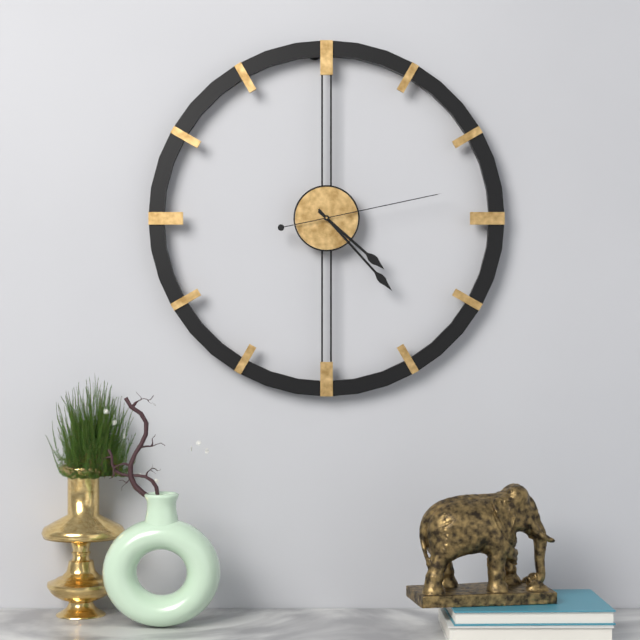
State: 4:23:13
